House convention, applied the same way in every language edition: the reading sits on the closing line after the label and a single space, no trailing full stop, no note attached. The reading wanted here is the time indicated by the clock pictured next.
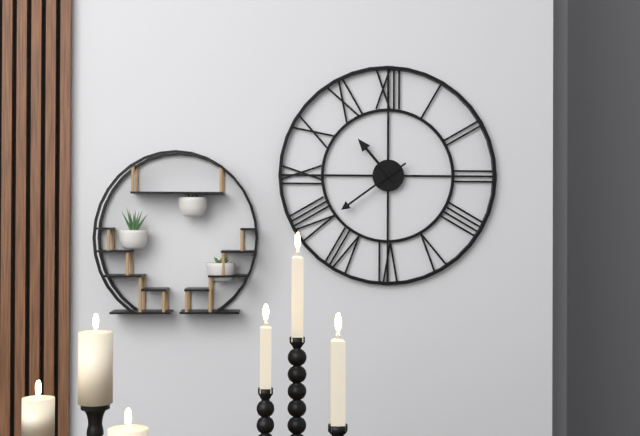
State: 10:39
